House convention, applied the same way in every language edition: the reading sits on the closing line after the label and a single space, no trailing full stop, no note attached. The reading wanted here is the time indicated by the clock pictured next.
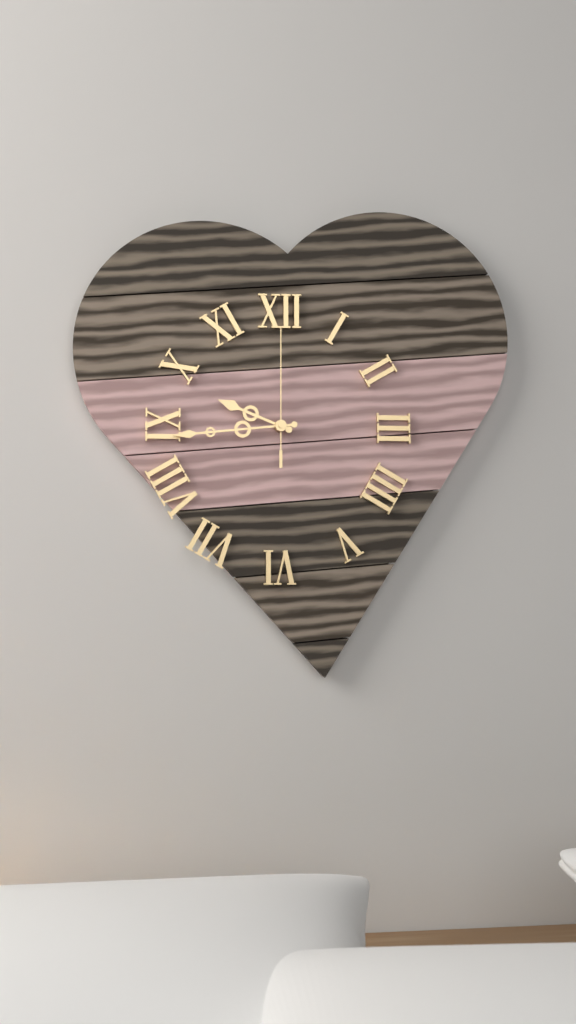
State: 9:44:00
